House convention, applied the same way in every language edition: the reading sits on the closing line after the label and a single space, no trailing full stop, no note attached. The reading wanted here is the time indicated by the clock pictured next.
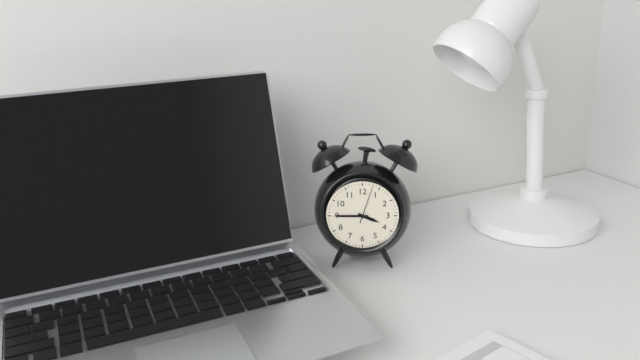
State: 3:45
